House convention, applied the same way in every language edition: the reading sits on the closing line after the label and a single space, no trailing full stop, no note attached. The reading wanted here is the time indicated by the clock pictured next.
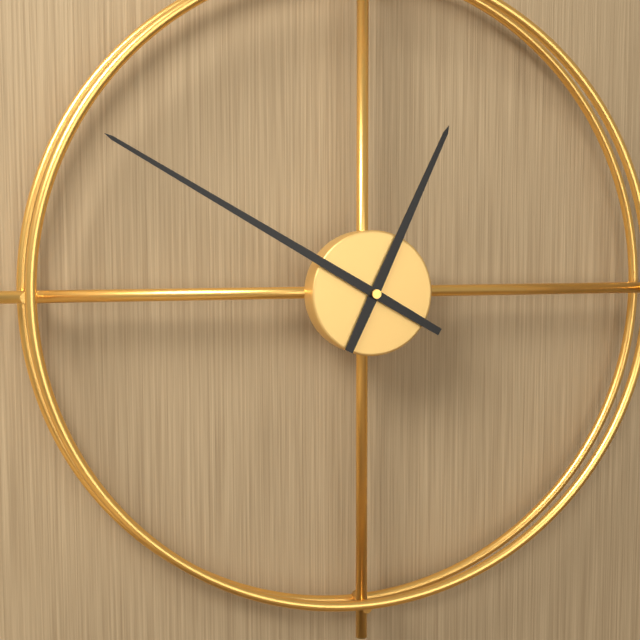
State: 12:50
